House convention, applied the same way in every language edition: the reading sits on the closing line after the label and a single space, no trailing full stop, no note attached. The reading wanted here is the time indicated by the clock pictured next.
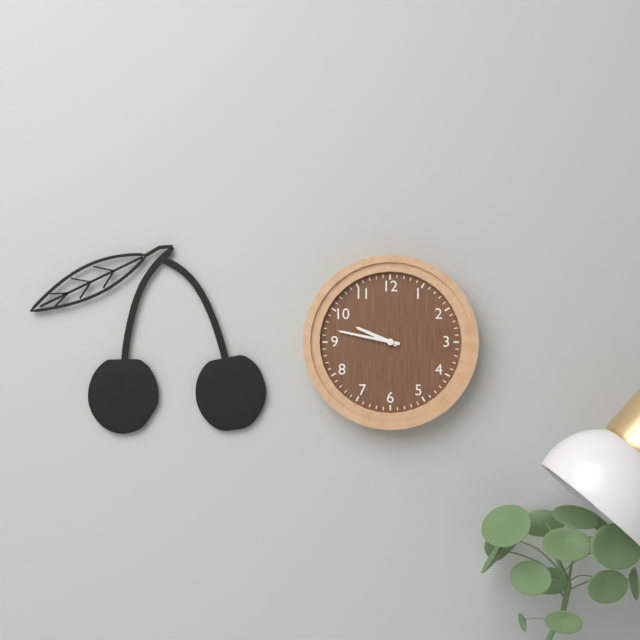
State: 9:47
